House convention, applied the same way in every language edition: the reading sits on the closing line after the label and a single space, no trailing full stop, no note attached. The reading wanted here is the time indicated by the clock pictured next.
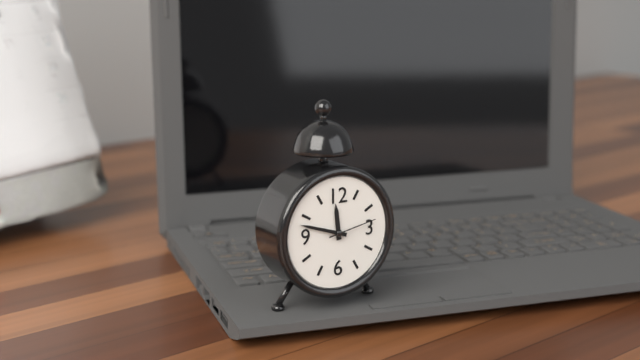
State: 11:48:13
